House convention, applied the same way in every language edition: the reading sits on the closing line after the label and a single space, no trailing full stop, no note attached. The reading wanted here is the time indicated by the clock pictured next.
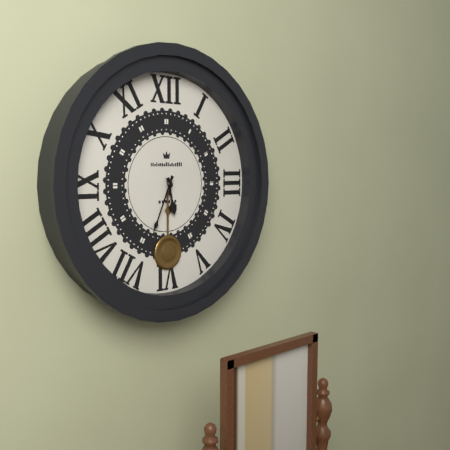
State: 5:34
